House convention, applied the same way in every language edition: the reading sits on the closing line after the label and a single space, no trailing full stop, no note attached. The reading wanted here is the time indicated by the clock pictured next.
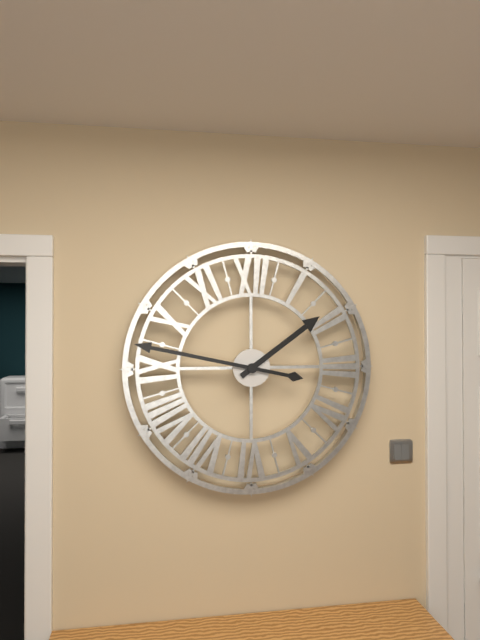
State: 1:47
